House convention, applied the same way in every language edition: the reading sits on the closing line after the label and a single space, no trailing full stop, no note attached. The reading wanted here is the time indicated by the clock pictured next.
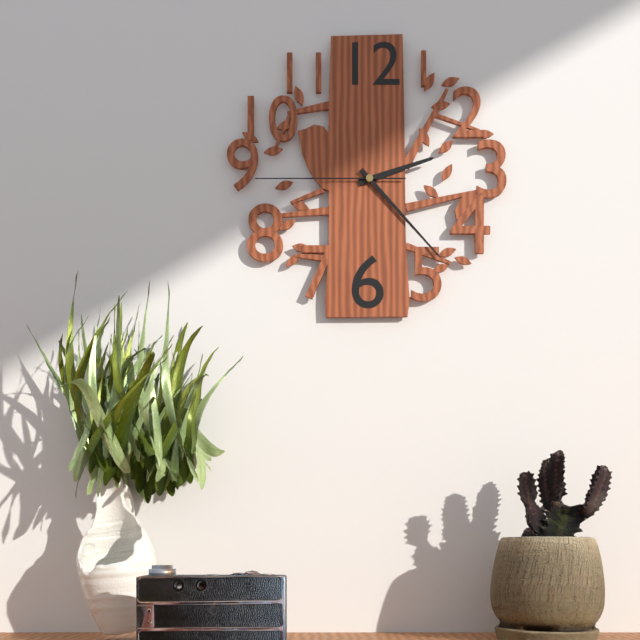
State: 2:23:45
